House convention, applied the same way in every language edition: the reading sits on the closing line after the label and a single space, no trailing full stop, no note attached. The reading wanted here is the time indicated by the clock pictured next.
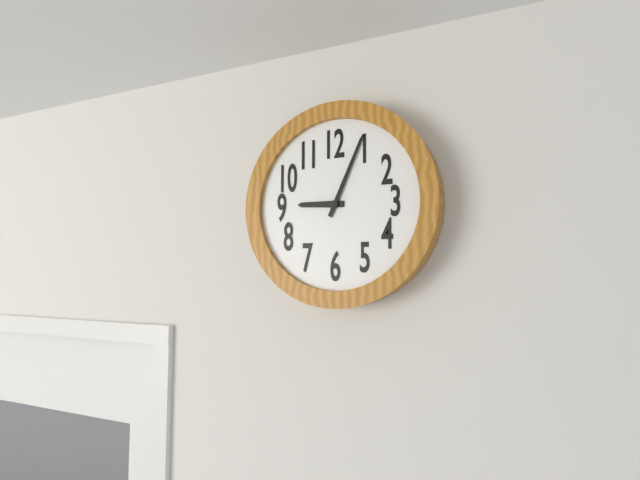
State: 9:04
